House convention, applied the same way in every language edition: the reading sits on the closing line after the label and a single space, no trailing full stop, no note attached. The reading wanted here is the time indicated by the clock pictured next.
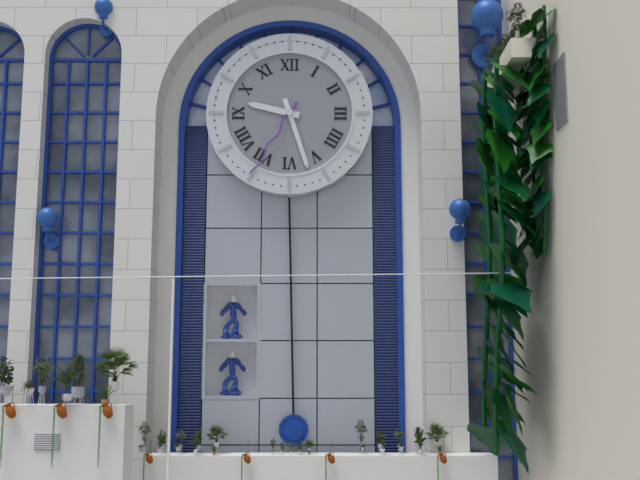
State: 9:27:35
